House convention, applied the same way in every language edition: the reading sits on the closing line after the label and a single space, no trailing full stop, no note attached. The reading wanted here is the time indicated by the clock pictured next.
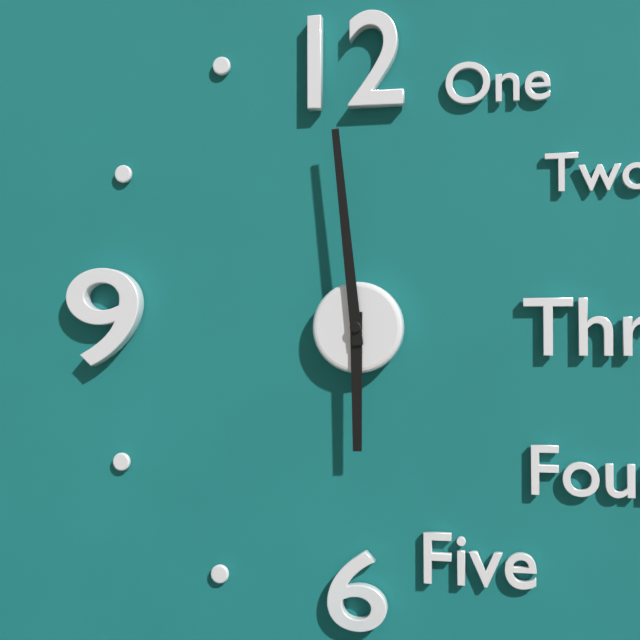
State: 5:59
